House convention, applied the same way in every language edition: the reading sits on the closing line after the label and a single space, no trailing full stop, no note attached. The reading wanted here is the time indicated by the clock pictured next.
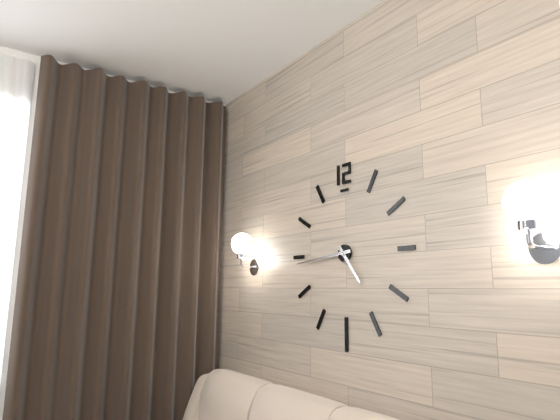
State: 4:44
